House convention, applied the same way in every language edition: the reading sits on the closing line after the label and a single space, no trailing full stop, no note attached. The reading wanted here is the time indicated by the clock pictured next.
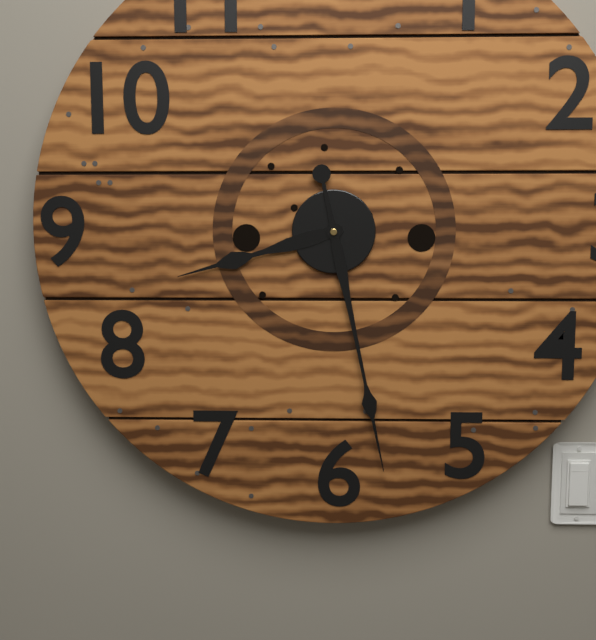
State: 8:28
